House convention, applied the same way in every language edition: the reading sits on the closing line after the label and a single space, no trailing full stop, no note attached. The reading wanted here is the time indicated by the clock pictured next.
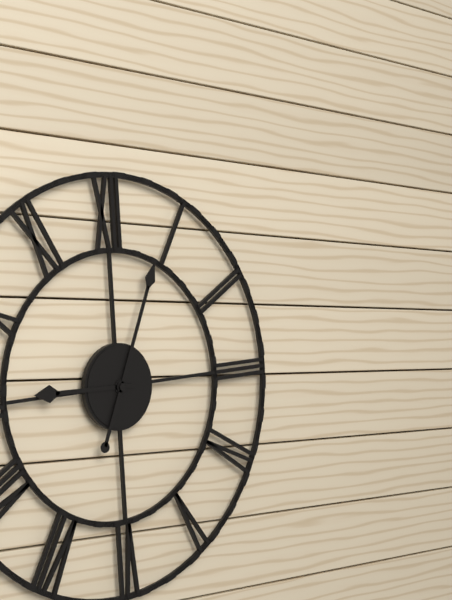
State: 9:04
